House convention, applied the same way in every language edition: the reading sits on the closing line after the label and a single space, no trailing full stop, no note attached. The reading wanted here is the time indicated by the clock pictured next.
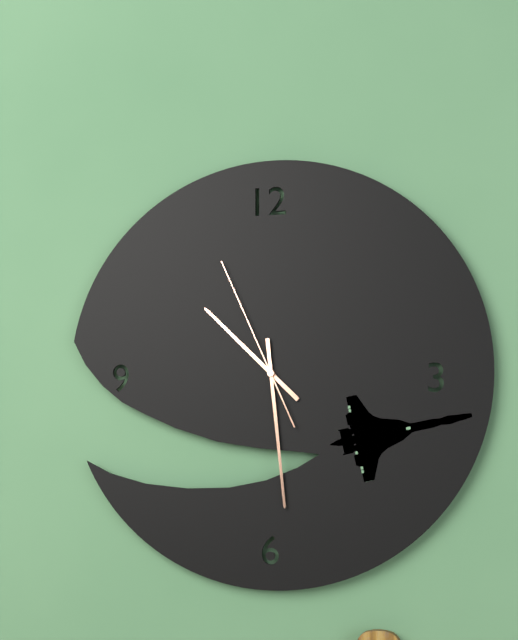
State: 10:29:56
